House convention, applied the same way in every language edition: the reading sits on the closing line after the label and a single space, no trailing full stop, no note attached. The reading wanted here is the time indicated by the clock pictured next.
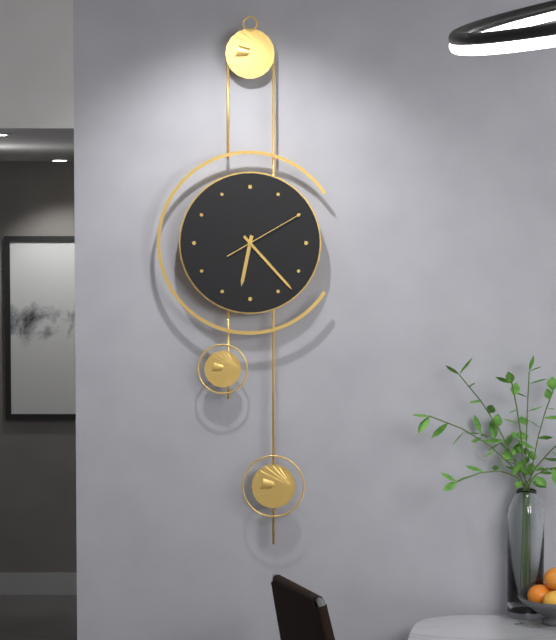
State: 6:23:10
